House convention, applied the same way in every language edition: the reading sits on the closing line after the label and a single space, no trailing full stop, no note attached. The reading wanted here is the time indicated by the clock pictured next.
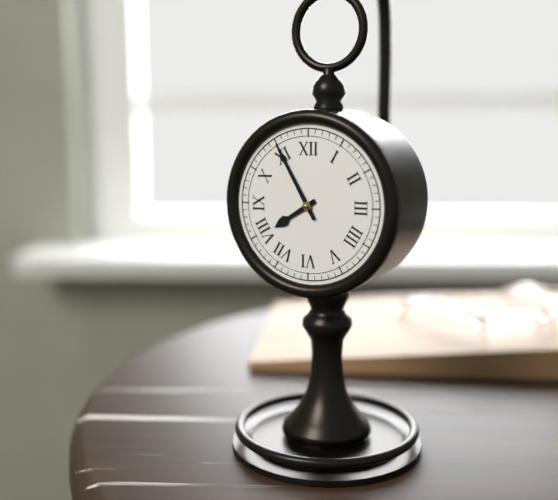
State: 7:55
